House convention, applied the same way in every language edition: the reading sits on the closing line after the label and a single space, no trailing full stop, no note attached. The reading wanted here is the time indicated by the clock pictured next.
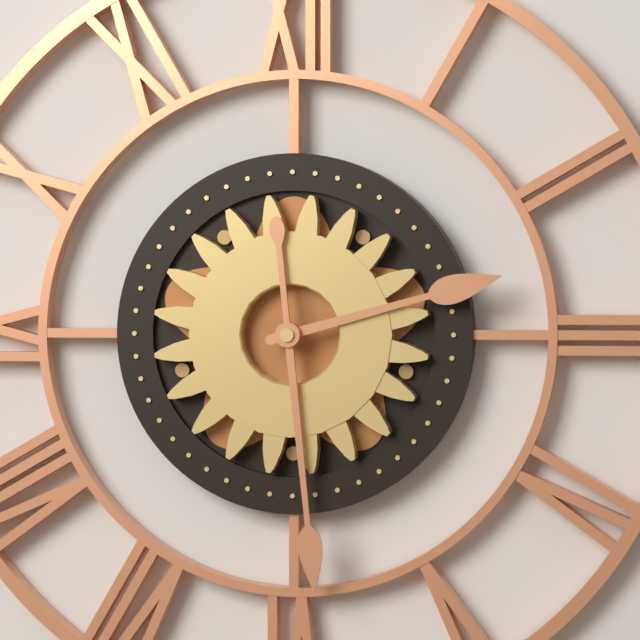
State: 2:29
